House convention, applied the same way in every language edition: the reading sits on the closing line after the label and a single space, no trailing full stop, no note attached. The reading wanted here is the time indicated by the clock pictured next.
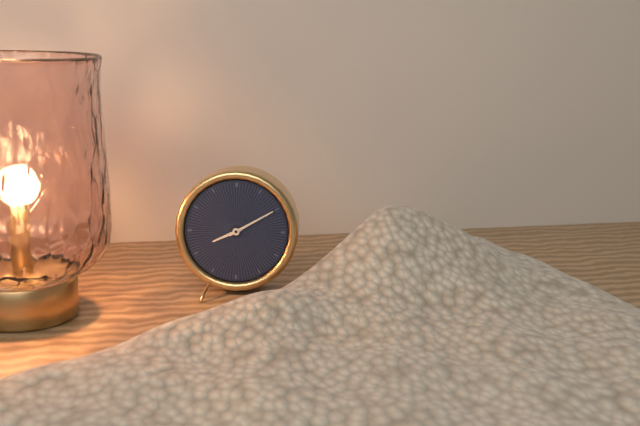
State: 8:10
